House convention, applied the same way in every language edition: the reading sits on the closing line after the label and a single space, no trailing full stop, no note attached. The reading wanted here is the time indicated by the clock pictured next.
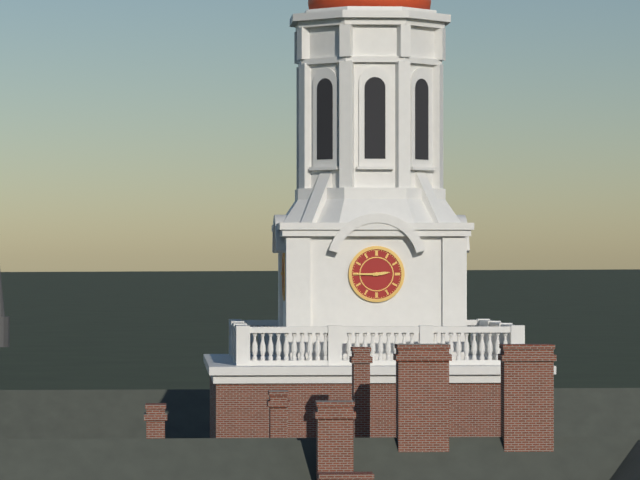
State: 2:45
